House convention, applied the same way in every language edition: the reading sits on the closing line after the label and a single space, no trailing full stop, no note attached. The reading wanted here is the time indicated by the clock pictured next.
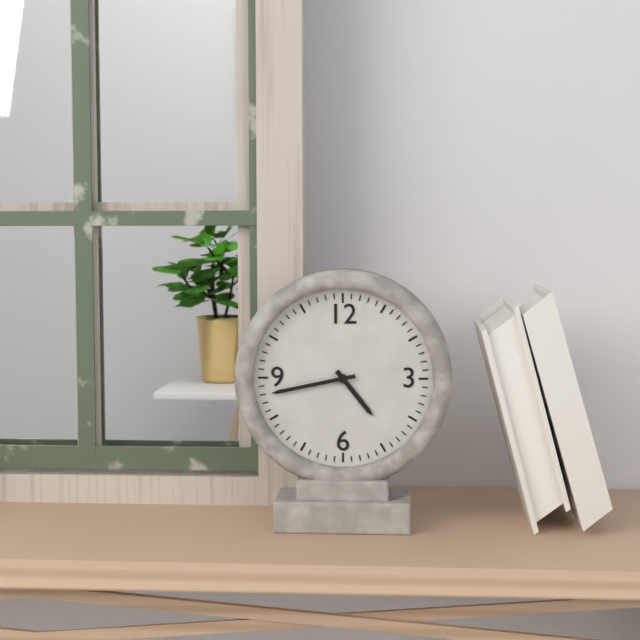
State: 4:43
